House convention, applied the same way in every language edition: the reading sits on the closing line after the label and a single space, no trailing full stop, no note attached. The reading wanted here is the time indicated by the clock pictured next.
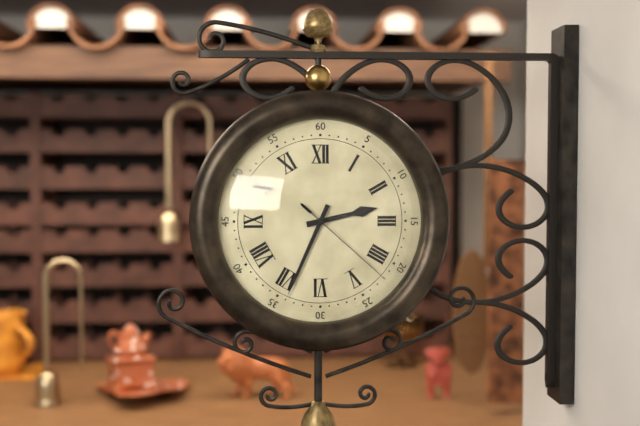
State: 2:34:22
